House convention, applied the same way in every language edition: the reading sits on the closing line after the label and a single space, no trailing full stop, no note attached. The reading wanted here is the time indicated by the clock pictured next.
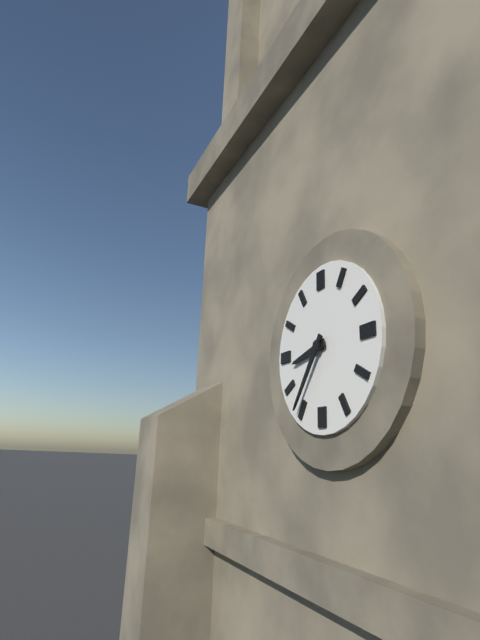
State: 8:36
